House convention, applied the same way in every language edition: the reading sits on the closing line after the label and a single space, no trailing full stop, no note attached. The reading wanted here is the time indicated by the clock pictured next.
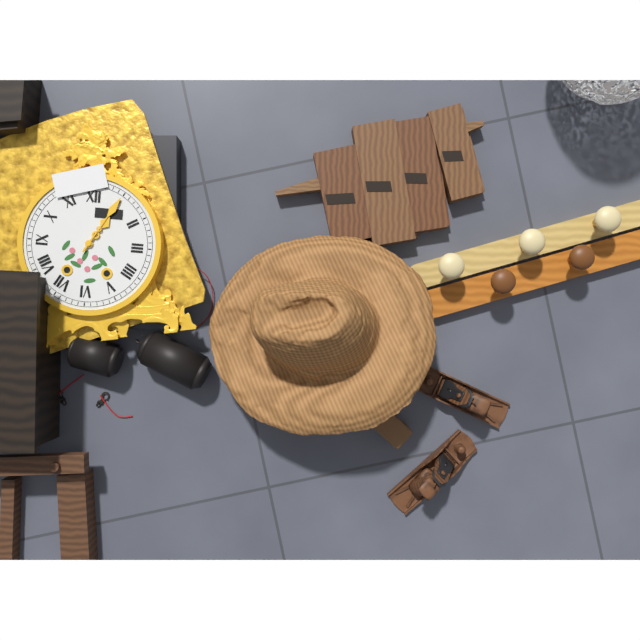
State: 1:05
